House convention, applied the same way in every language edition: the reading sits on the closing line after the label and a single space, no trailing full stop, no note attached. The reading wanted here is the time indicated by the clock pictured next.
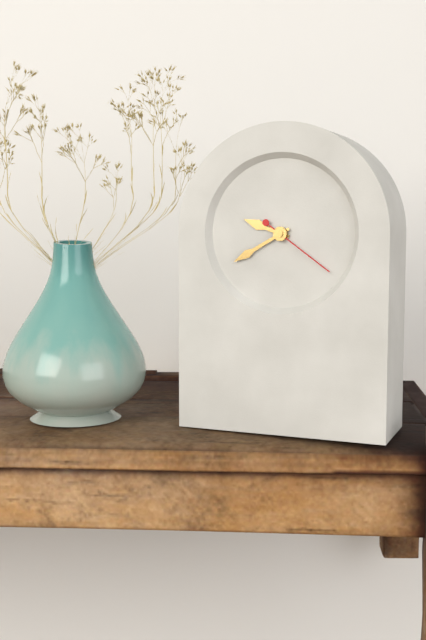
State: 9:40:21
